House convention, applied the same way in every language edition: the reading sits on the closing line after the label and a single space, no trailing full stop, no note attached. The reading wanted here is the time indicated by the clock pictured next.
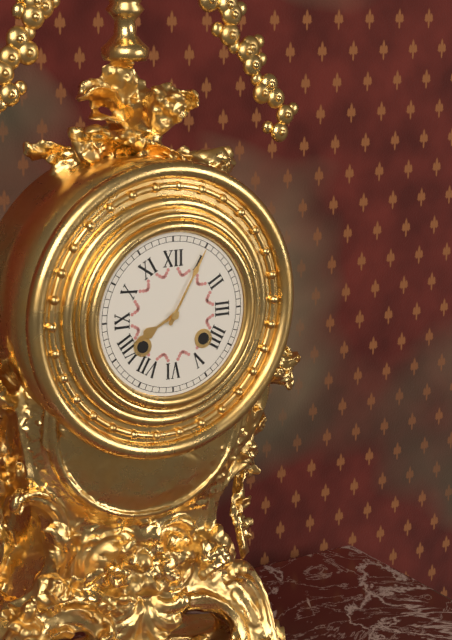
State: 8:05
